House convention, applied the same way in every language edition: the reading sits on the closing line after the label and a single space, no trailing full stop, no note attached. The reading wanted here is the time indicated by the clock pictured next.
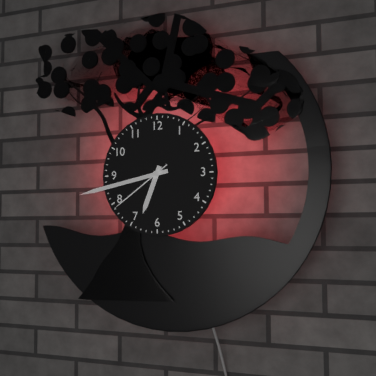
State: 6:43:39
